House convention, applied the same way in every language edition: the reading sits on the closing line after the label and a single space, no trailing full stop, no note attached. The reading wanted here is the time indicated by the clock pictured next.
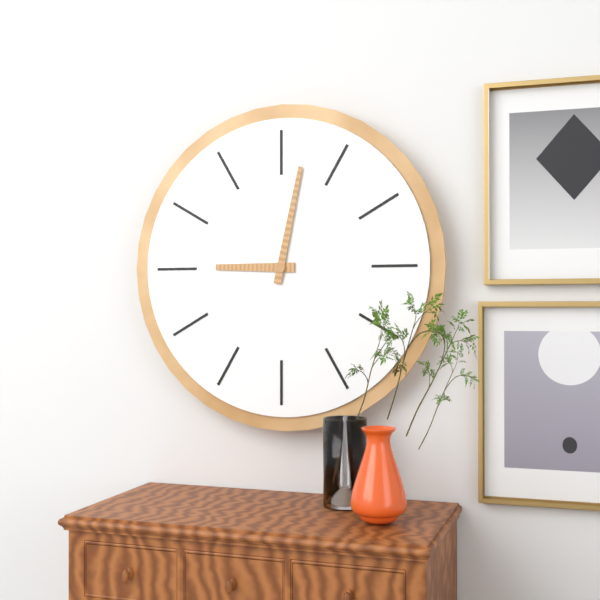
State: 9:02
